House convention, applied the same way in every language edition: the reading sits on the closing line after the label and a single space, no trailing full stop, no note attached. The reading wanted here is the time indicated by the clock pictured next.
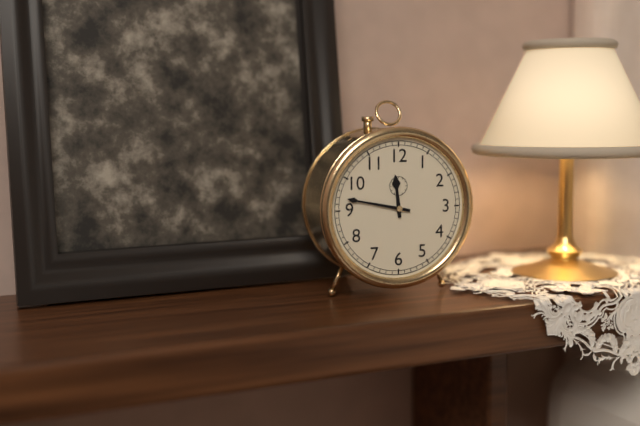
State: 11:47
